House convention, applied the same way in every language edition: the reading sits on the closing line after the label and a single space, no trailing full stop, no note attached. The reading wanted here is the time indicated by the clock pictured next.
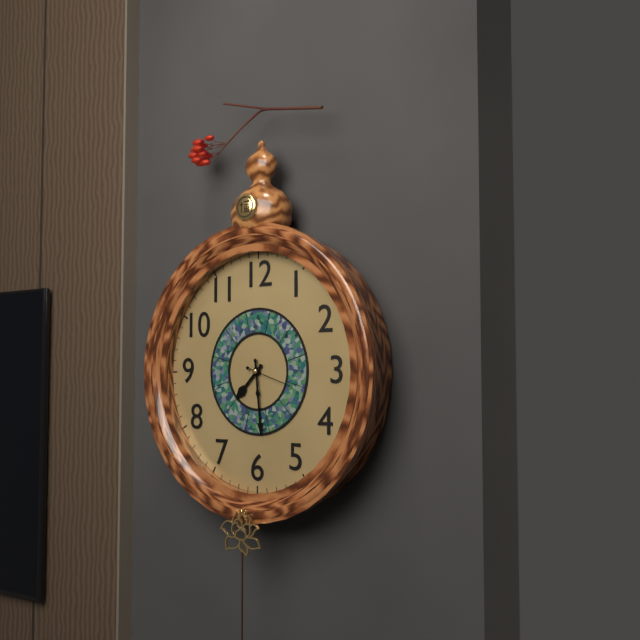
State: 7:29
